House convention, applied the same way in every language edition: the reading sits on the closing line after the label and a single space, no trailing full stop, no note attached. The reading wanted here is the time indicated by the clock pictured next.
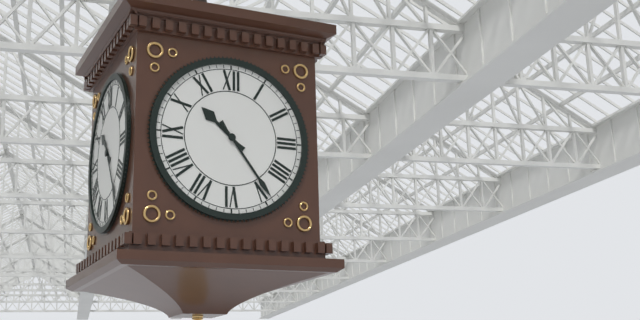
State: 10:24
